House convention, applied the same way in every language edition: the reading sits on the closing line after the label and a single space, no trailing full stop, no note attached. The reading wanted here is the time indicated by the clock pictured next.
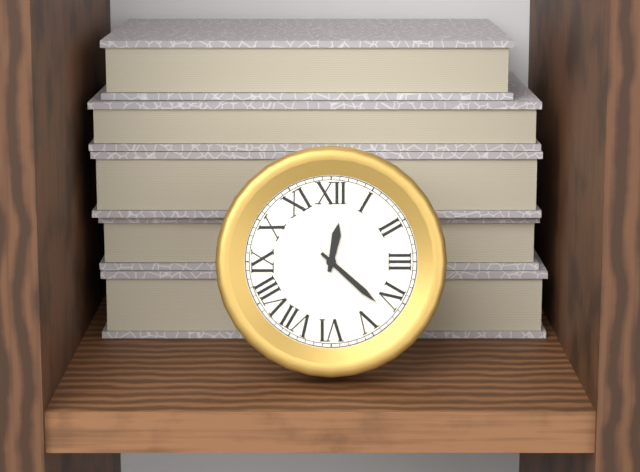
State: 12:22
